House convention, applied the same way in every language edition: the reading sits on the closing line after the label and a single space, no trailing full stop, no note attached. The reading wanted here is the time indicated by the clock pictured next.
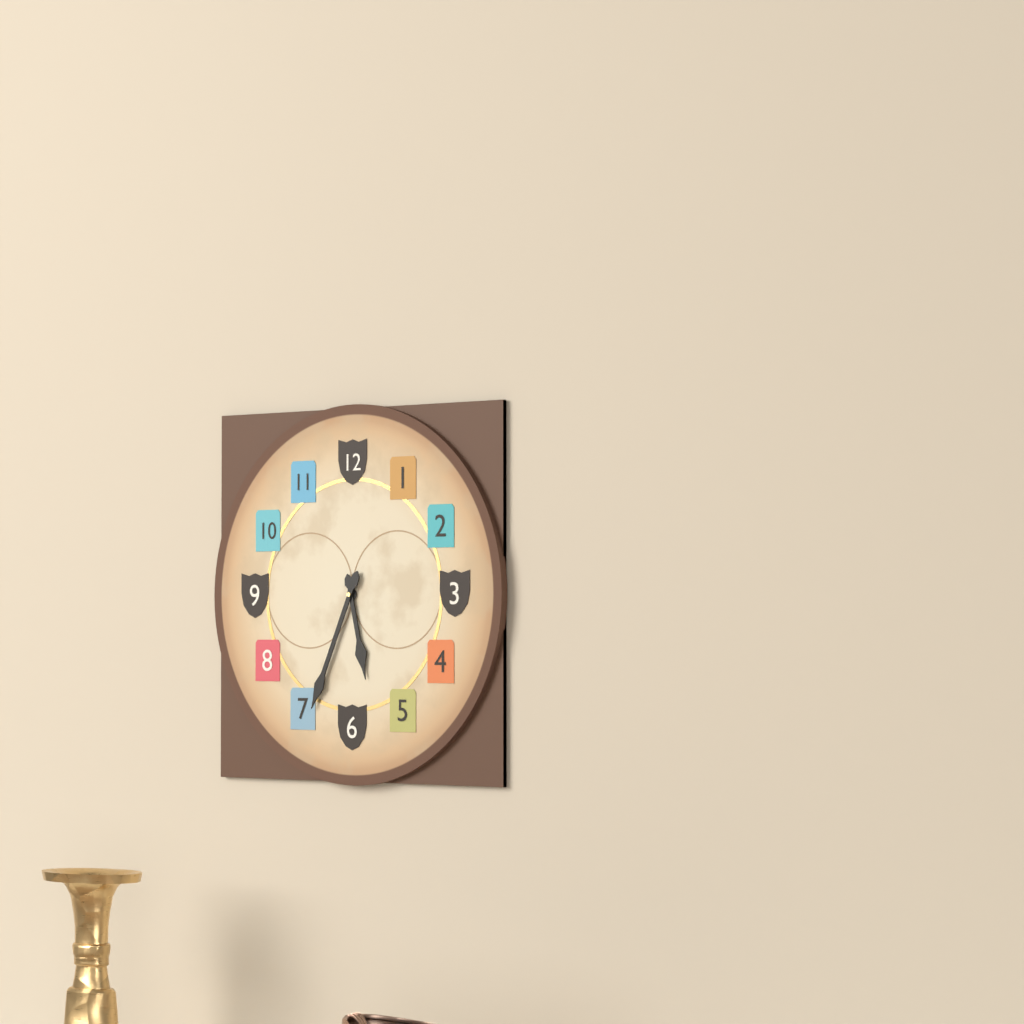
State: 5:34
